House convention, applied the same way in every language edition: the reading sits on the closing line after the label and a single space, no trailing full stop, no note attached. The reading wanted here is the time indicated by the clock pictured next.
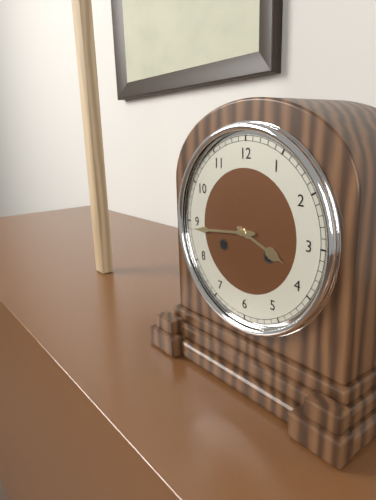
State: 3:44
